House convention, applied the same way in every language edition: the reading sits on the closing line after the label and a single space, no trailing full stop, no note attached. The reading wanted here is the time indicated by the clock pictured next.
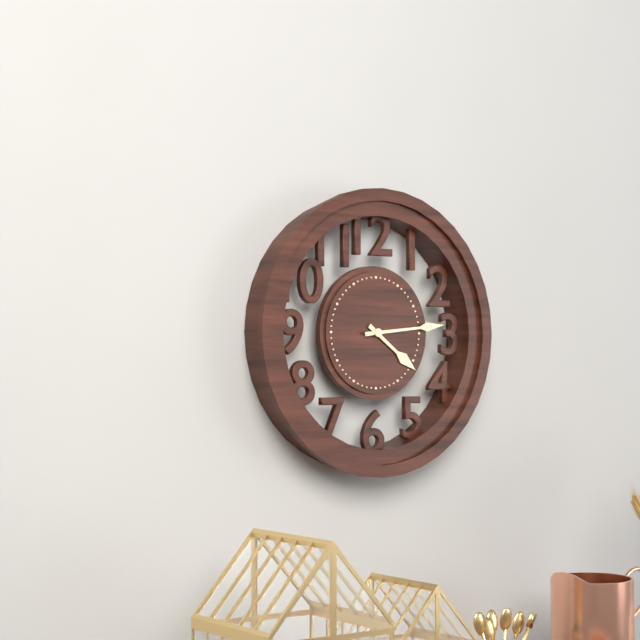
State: 4:14
